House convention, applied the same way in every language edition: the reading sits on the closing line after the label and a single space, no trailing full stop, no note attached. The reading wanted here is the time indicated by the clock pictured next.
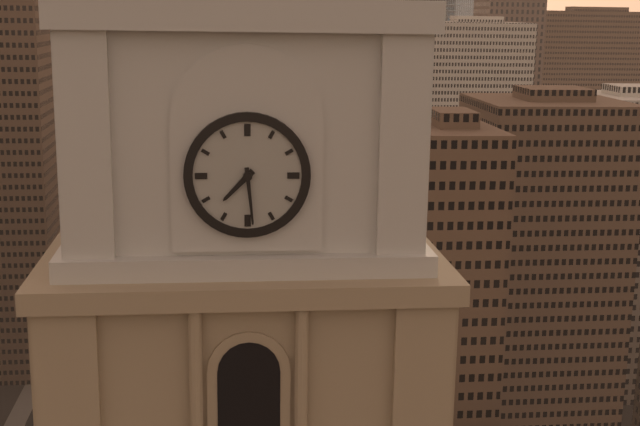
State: 7:29
